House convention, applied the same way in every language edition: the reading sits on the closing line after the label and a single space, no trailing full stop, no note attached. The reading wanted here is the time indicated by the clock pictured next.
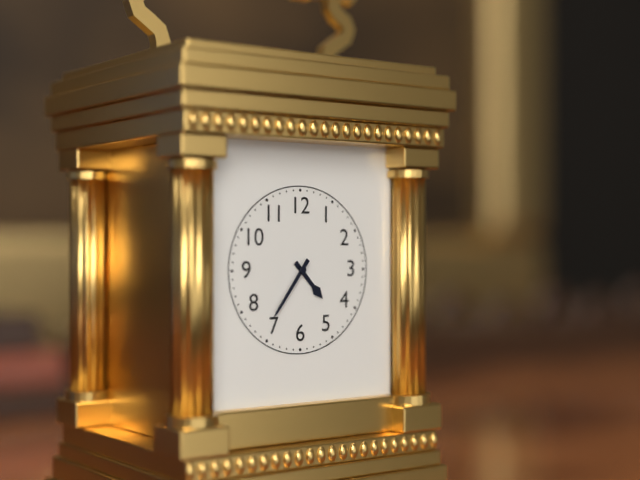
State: 4:36
